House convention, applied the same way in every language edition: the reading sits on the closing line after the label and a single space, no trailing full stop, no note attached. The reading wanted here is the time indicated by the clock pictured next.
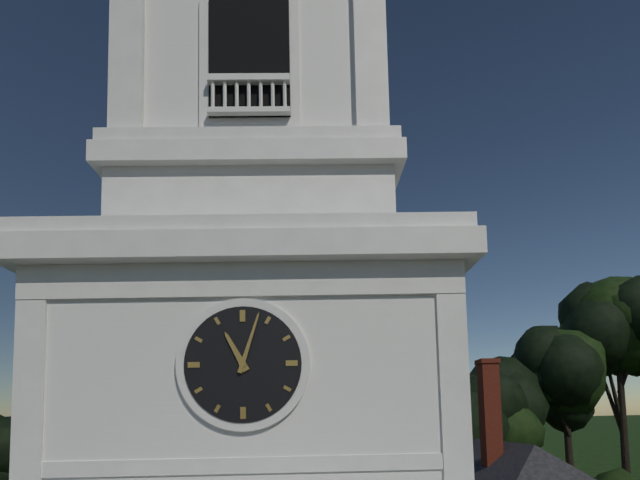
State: 11:03
